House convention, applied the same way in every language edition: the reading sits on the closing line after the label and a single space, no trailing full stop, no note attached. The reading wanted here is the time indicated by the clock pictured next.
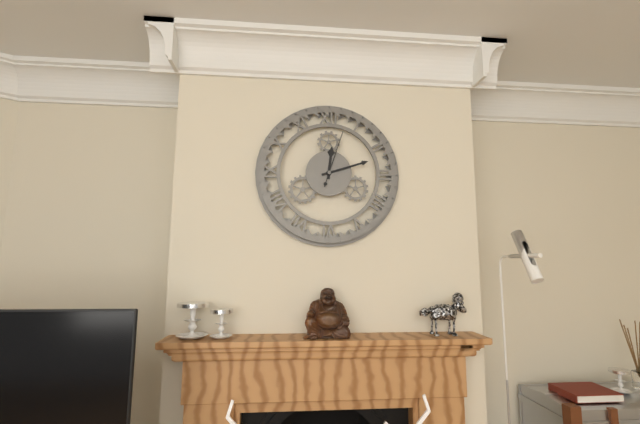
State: 12:12:03
